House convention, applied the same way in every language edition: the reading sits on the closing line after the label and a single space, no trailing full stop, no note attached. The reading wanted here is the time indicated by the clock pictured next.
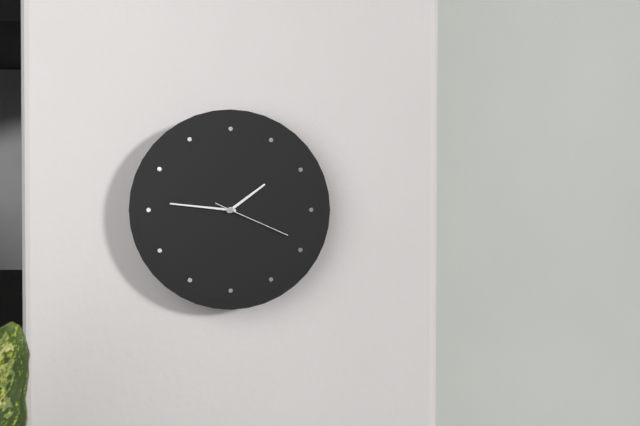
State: 1:46:19
